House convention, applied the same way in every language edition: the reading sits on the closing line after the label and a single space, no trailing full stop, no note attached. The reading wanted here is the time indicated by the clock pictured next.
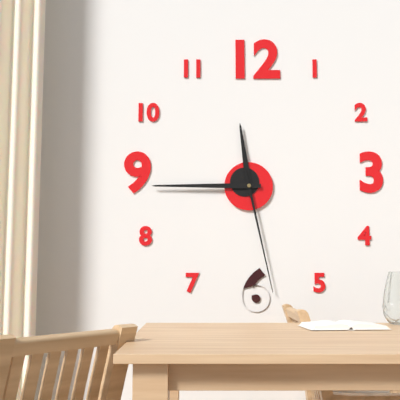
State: 11:45:28
